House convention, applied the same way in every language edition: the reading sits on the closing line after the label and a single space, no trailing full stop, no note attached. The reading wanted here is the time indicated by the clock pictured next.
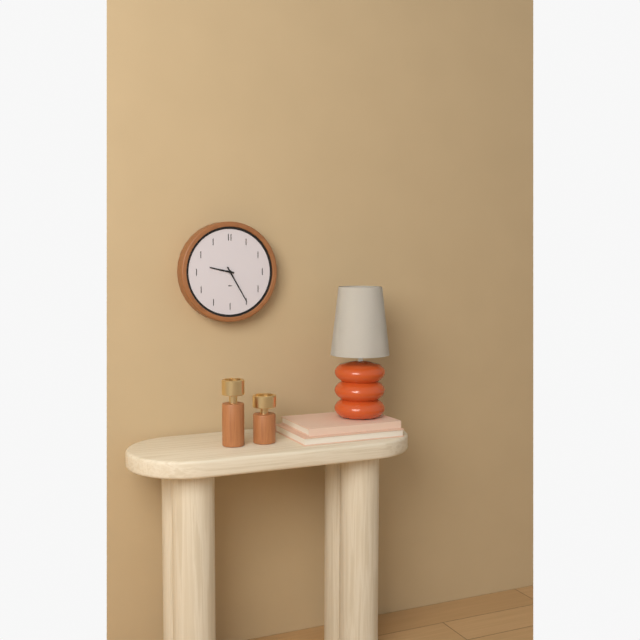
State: 9:25
